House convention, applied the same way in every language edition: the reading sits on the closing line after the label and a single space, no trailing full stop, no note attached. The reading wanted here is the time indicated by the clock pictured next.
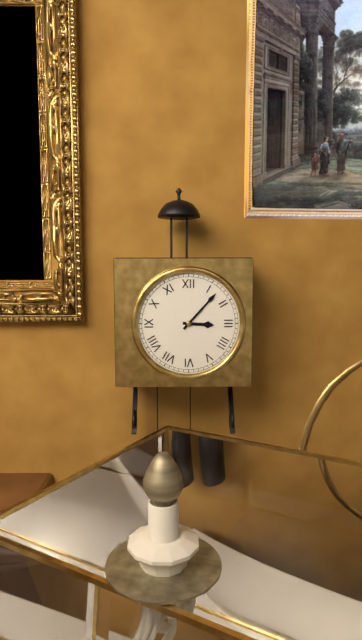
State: 3:07
